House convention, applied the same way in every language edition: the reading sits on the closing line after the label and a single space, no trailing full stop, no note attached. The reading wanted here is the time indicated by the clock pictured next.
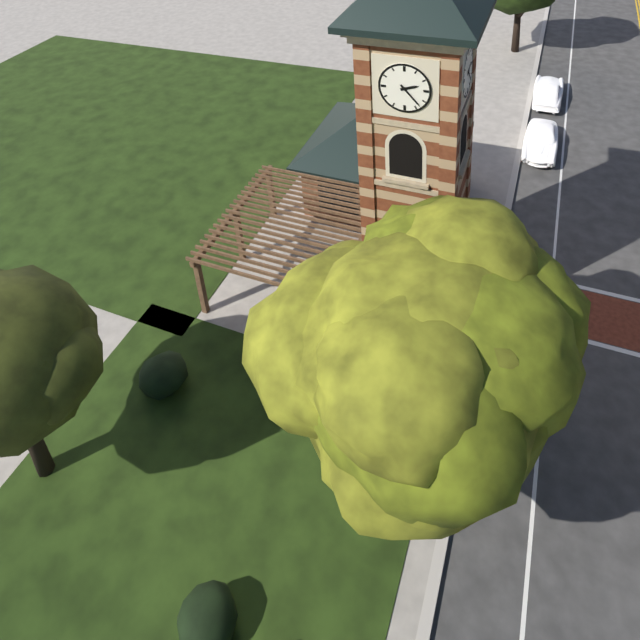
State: 2:23
